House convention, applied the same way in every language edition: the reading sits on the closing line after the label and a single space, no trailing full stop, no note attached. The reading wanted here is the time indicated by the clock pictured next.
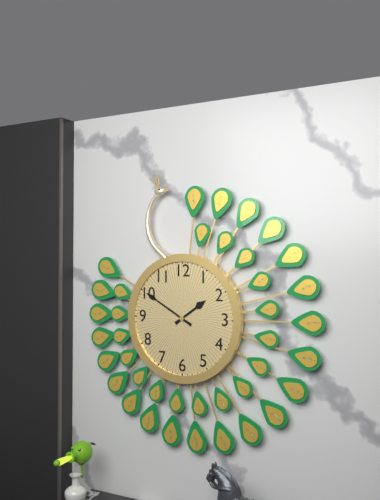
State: 1:50
